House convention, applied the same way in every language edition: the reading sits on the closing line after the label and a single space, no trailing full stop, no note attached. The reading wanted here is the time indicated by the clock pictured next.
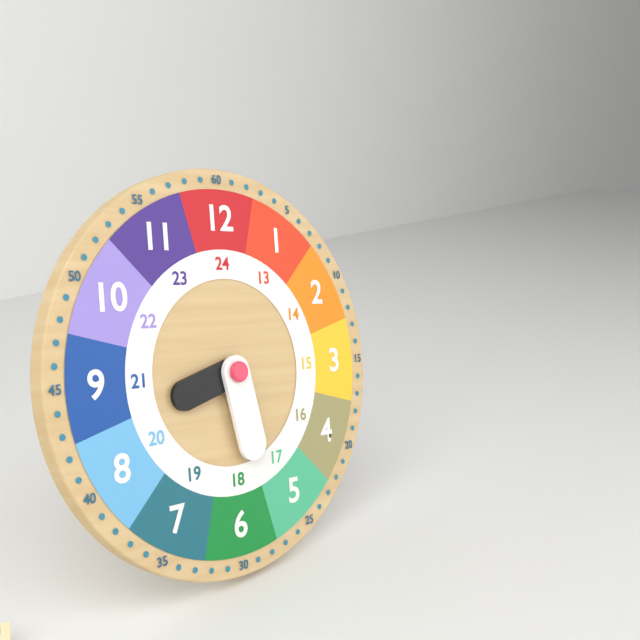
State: 8:28
